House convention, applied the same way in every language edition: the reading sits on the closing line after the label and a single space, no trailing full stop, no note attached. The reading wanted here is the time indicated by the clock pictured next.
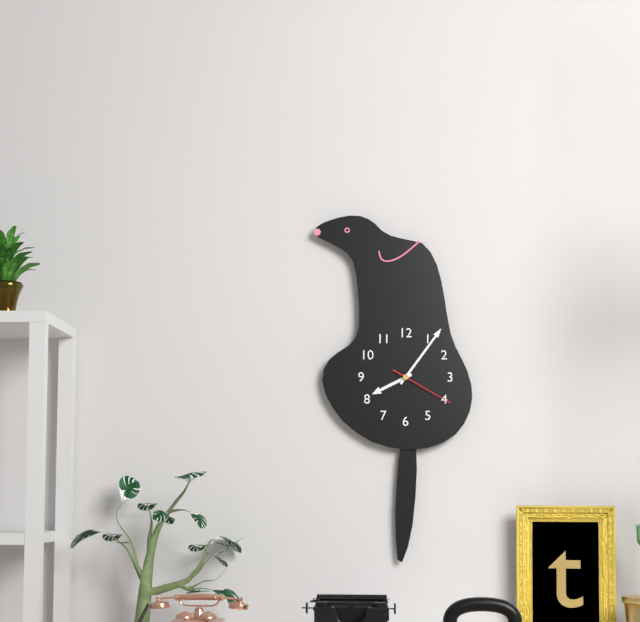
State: 8:06:20
